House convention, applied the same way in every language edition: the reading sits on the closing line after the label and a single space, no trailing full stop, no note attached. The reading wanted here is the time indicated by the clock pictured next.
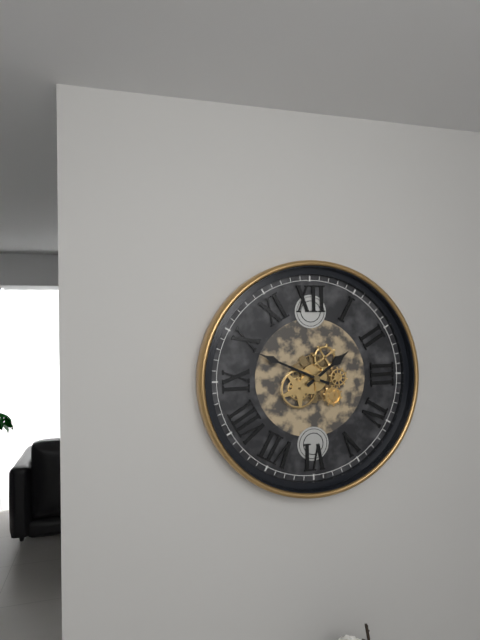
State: 1:49
